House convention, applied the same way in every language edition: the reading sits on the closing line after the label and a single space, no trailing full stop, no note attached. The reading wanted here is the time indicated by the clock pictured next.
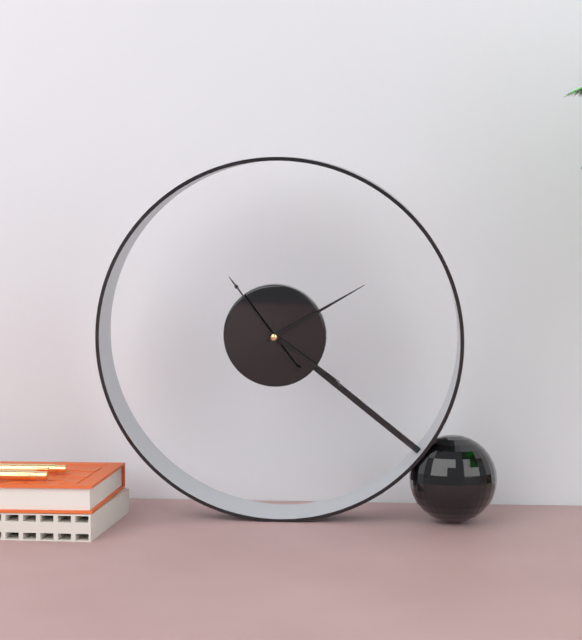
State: 4:10:54
